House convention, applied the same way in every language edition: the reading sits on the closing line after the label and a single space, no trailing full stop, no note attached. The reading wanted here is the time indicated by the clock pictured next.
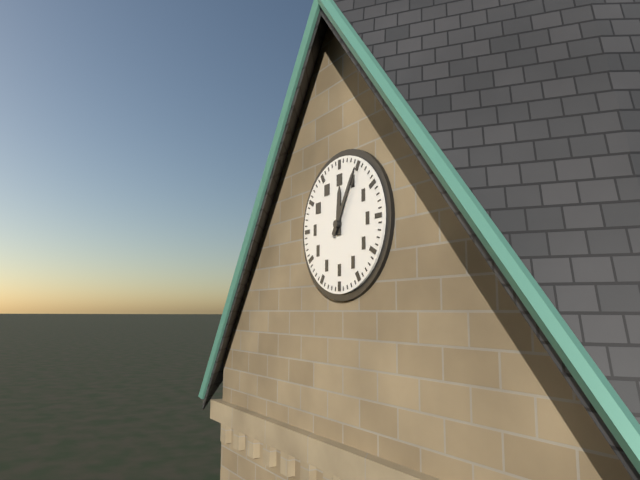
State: 12:05
